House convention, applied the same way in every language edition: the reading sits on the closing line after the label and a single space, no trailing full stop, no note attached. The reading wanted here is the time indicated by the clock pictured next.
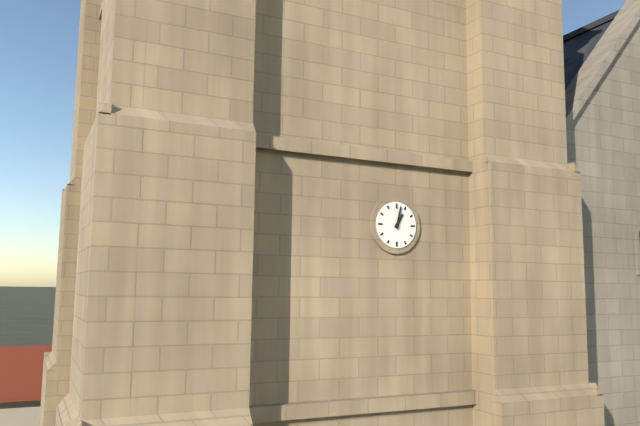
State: 1:02
